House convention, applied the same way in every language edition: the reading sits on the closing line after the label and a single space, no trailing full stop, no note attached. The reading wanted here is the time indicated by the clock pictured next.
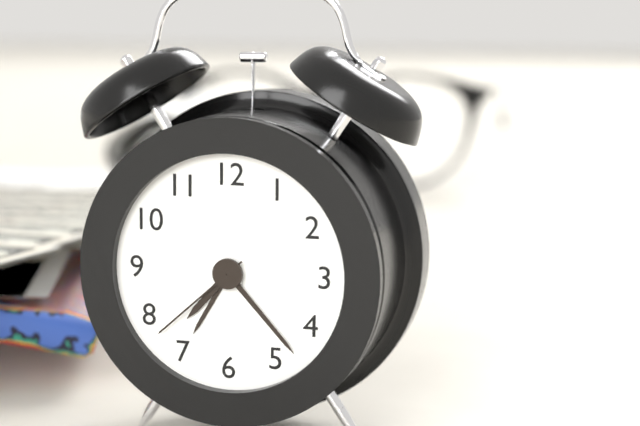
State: 7:23:38
